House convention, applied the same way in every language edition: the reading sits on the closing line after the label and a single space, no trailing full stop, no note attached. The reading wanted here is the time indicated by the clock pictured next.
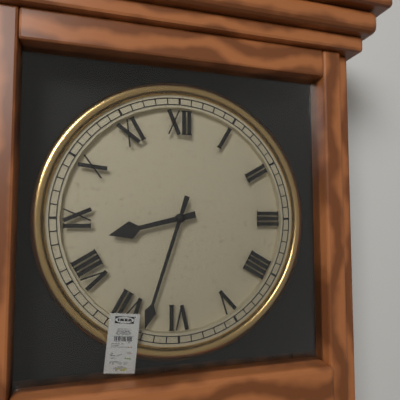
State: 8:33
